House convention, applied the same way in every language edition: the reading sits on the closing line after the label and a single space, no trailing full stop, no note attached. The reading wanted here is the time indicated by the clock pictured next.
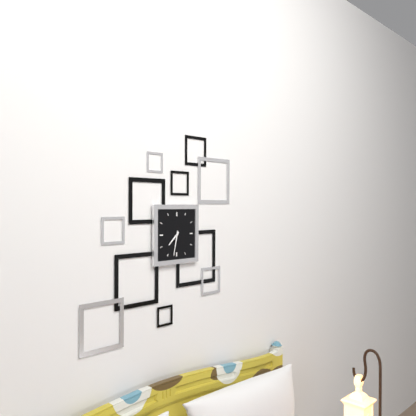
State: 7:32
